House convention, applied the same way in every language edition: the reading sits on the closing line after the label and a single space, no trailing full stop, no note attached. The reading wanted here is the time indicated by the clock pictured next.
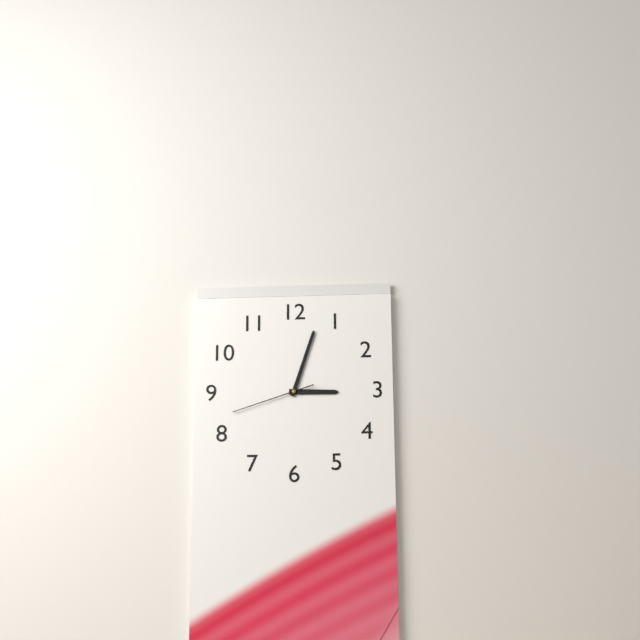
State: 3:03:42
